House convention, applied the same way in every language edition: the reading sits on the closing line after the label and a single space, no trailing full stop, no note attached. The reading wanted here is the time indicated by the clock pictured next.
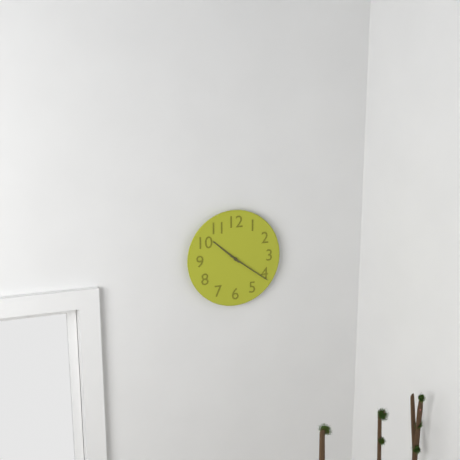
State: 10:21
